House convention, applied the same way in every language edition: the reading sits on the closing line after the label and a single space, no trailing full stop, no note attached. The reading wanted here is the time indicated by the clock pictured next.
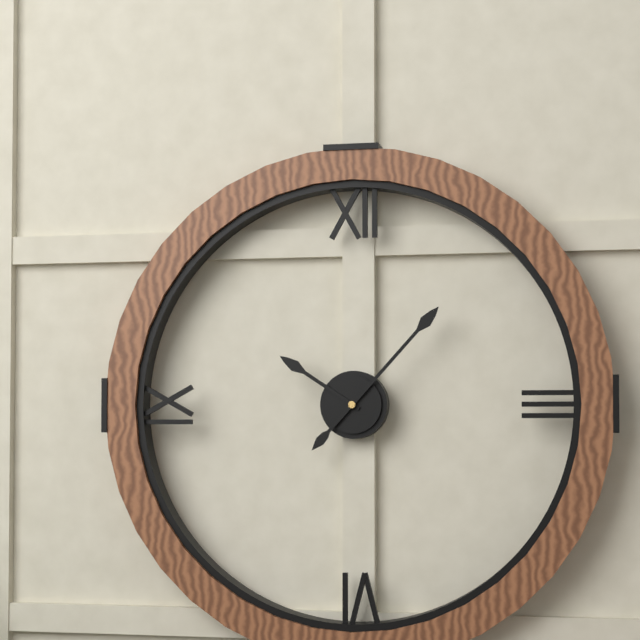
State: 10:07
